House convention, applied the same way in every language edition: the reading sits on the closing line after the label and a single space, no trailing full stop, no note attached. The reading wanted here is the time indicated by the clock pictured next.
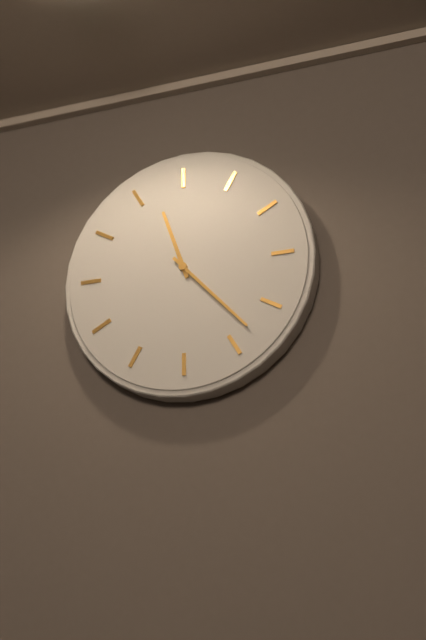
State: 11:23
